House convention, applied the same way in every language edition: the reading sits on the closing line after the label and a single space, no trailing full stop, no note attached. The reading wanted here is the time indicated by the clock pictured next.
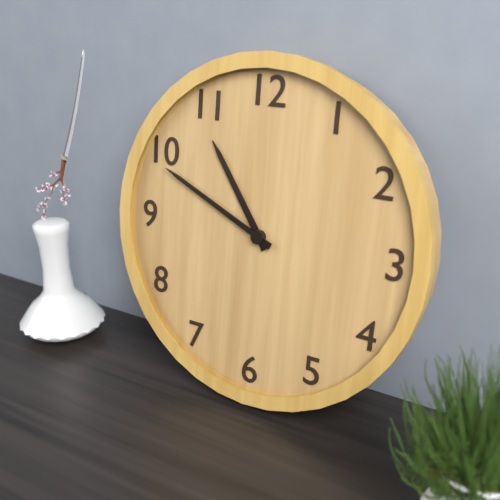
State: 10:49
